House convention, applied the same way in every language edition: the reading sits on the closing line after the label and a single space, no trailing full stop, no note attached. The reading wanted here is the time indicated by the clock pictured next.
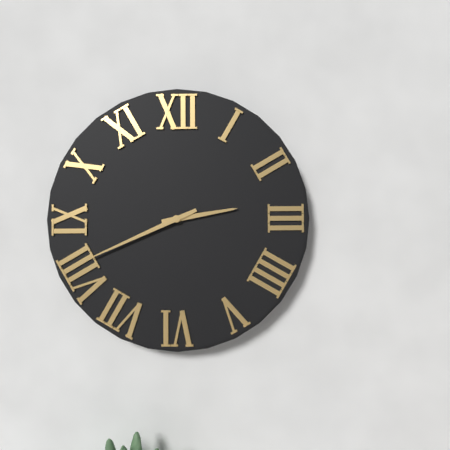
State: 2:41
